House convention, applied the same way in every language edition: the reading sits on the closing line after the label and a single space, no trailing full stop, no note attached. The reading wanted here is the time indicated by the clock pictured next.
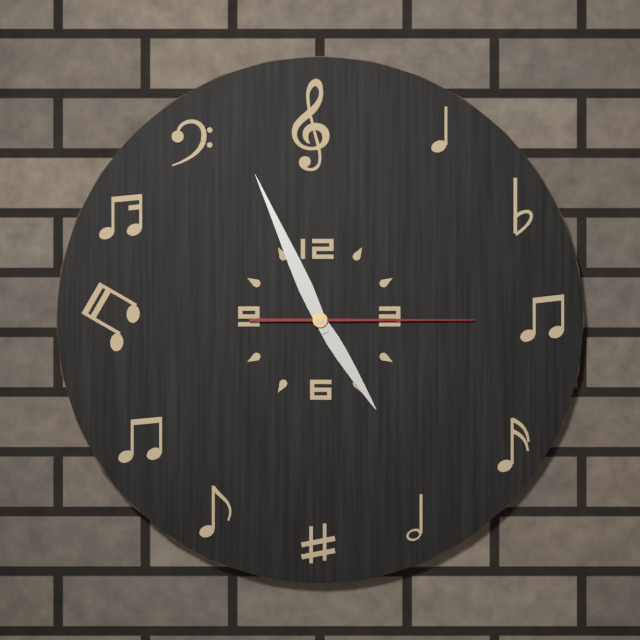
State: 4:56:15
